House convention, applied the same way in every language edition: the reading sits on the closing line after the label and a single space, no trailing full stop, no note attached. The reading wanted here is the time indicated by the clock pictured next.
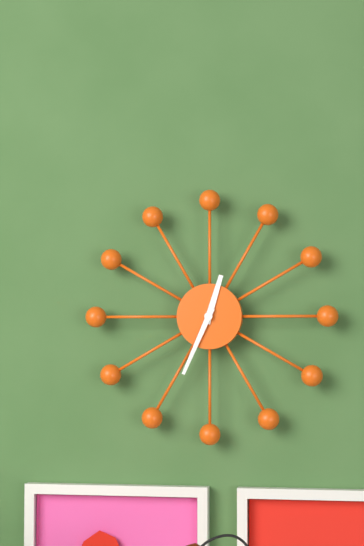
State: 12:34
